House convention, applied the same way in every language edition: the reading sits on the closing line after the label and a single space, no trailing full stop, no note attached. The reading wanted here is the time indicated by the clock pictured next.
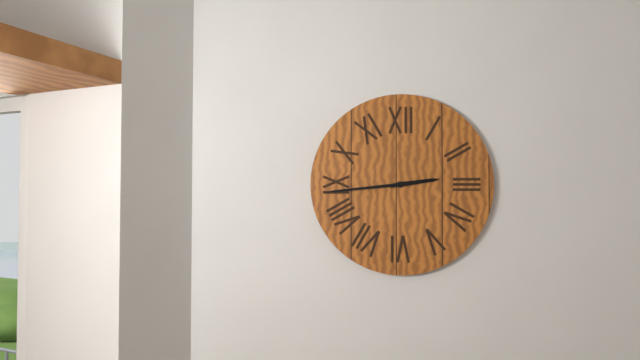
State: 2:44
